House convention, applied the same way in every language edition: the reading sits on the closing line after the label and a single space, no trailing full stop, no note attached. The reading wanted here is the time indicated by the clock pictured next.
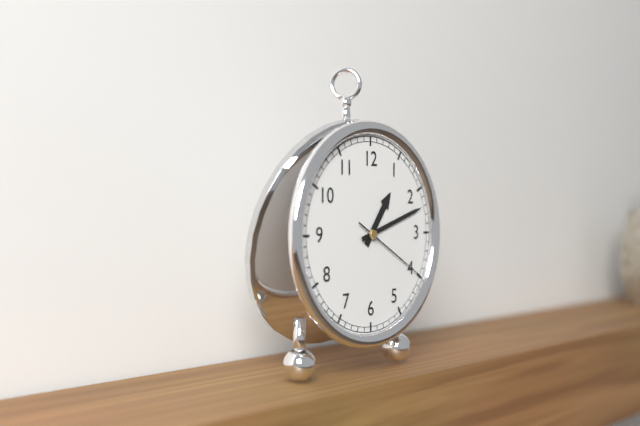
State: 1:12:20
